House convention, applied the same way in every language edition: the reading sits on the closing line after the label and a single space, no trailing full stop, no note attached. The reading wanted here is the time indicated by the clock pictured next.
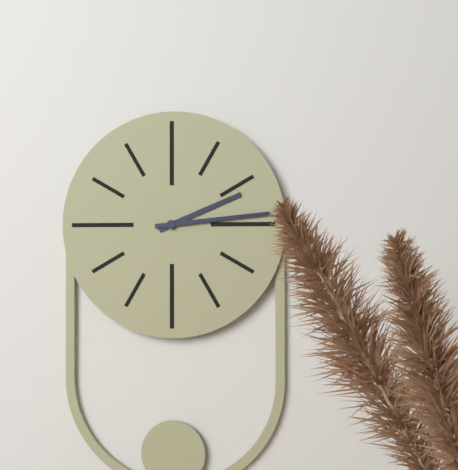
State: 2:14
